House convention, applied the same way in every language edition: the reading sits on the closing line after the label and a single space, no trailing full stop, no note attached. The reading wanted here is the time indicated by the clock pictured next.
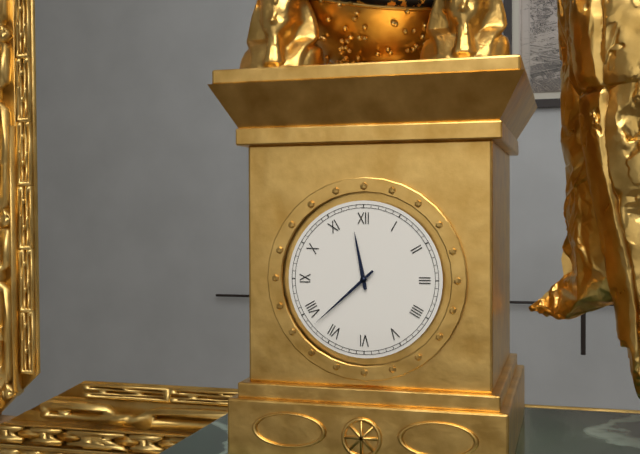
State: 11:38
